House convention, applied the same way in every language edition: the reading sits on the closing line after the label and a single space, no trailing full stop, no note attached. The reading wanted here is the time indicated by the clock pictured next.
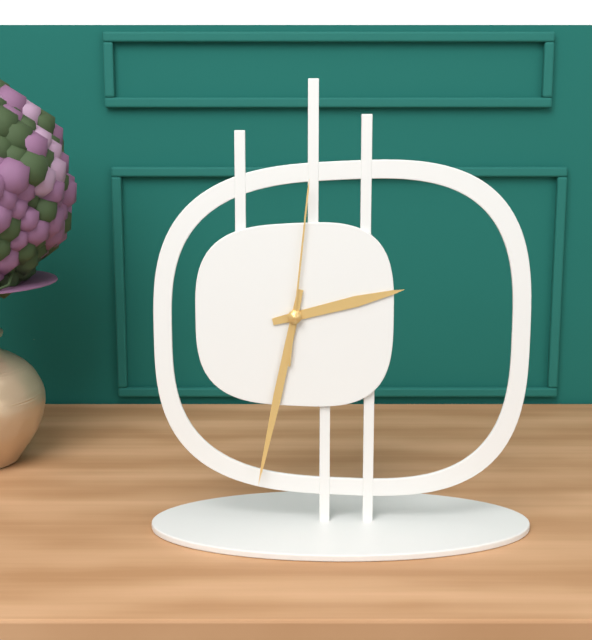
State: 2:32:01
